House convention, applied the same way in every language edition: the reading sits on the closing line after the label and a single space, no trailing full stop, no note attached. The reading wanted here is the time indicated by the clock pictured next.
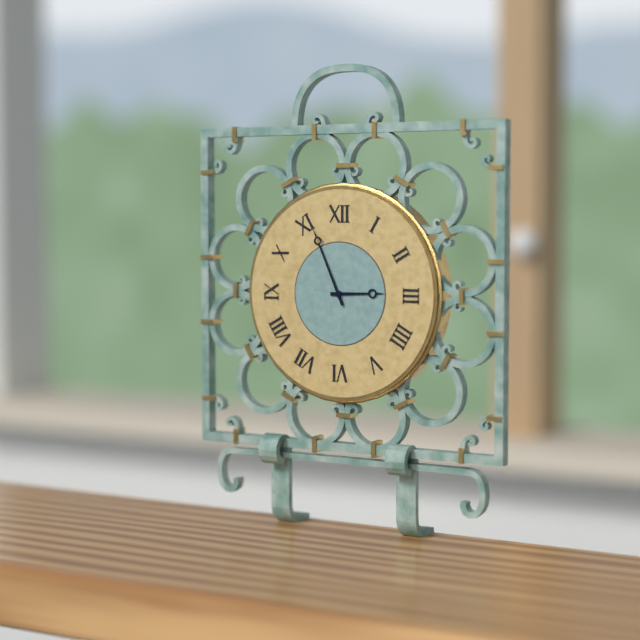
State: 2:56
